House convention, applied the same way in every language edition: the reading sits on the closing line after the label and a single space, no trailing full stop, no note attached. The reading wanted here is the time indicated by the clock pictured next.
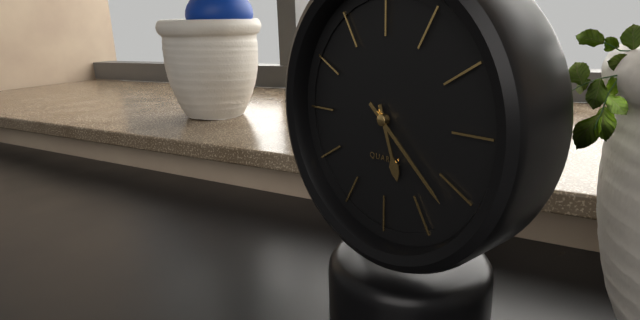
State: 5:22
